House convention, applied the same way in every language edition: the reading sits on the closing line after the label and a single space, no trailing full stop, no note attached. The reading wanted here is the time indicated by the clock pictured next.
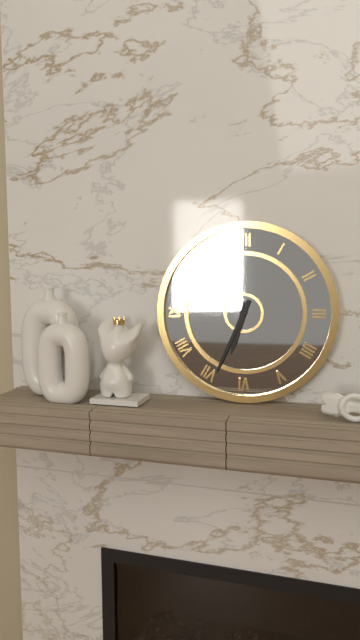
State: 6:34
